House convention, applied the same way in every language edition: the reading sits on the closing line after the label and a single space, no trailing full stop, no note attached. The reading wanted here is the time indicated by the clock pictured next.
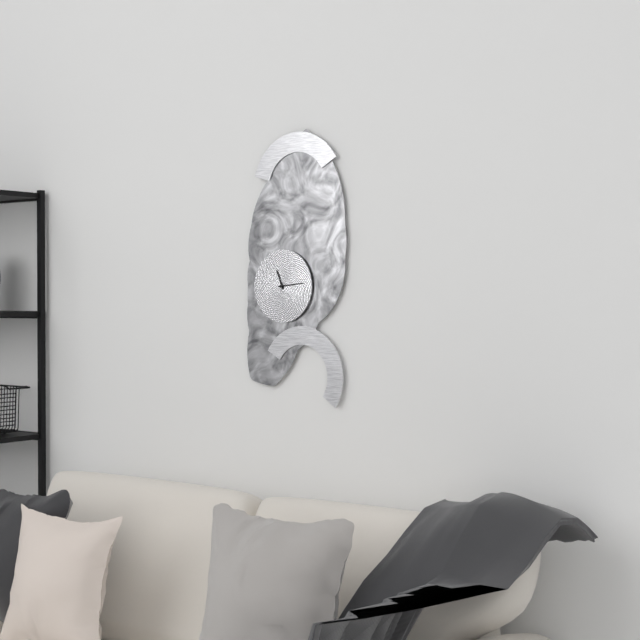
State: 11:14
